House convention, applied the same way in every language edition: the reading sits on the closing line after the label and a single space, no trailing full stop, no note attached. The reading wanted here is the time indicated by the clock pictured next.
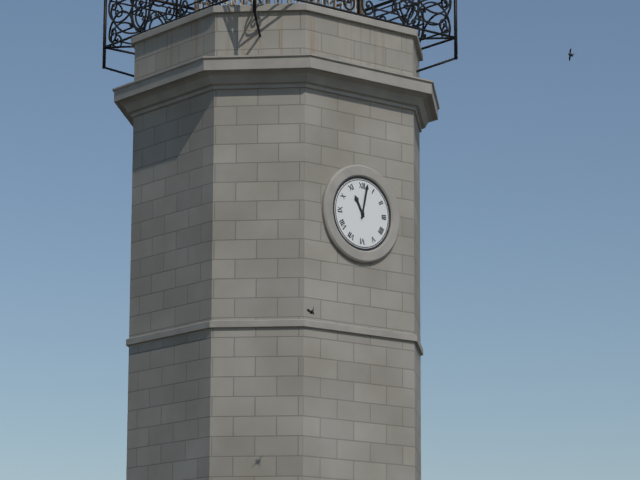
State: 11:02
